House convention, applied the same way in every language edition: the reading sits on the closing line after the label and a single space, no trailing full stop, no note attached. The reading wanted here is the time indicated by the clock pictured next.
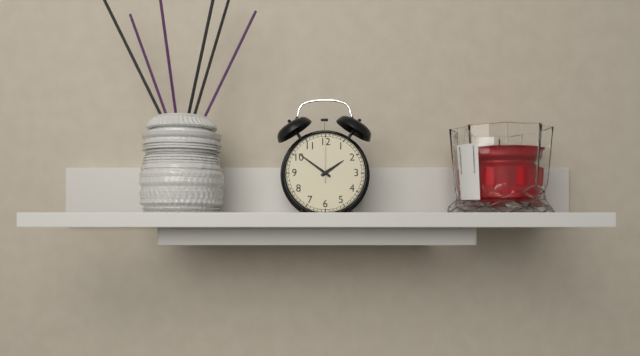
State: 1:51
